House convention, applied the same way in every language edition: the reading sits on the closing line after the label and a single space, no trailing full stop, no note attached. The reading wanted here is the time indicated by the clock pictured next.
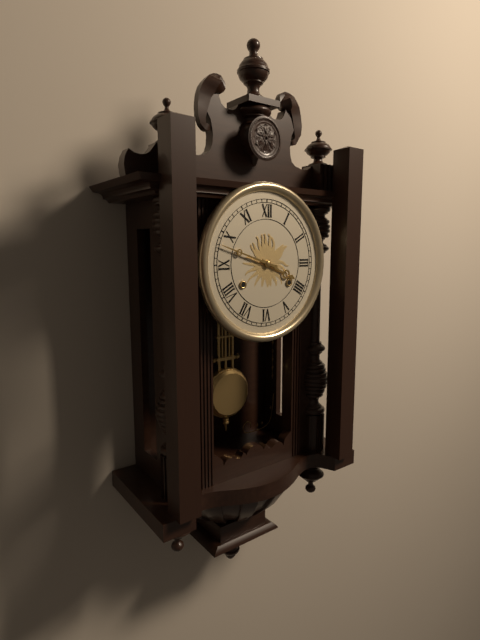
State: 3:48
